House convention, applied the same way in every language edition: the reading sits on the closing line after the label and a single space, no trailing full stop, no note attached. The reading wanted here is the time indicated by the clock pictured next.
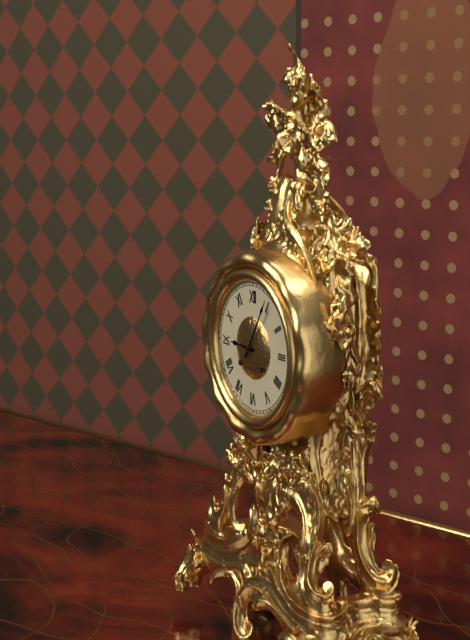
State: 9:05
